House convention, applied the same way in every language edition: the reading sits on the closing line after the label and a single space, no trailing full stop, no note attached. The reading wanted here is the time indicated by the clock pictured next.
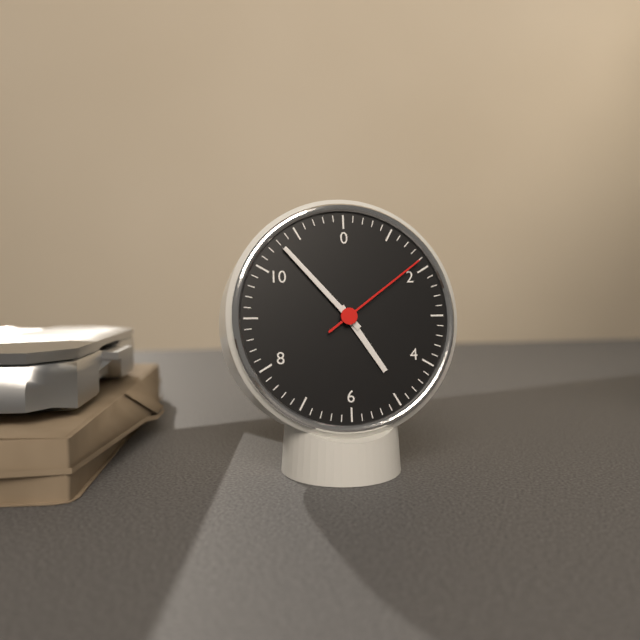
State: 4:53:09
